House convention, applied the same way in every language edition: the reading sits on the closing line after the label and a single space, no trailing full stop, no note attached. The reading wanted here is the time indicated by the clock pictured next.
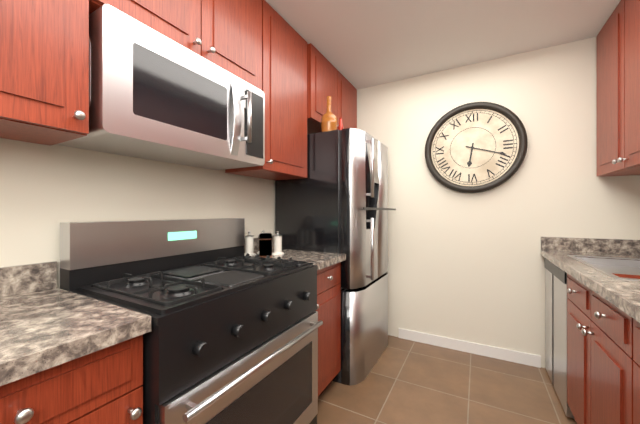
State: 6:18
